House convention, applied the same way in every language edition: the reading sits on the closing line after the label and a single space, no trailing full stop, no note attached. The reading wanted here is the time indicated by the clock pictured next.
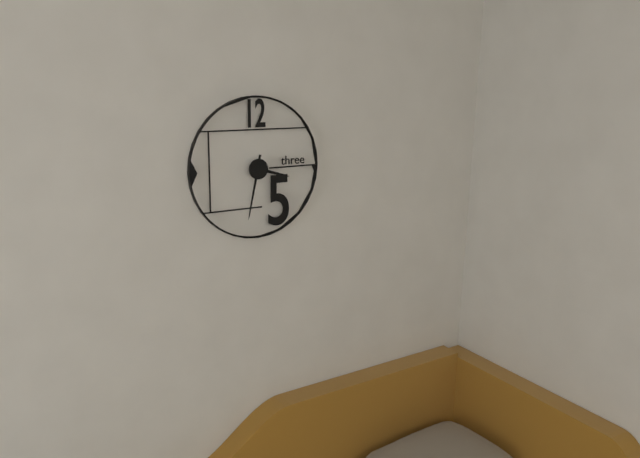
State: 3:32
